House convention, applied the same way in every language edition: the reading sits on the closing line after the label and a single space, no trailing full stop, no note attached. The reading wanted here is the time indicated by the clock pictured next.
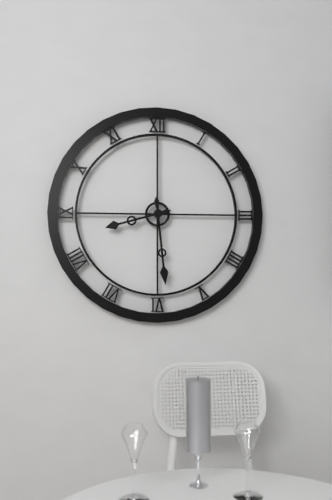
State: 8:29
